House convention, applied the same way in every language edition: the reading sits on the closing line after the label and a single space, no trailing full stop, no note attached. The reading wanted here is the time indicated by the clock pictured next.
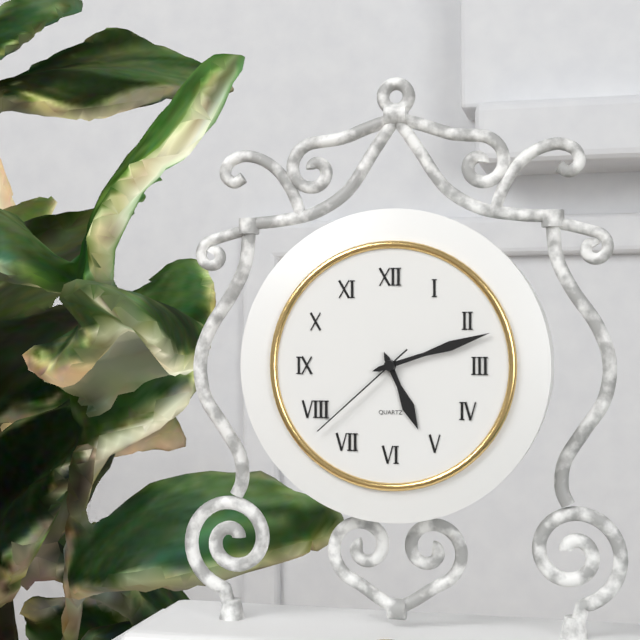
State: 5:12:38
